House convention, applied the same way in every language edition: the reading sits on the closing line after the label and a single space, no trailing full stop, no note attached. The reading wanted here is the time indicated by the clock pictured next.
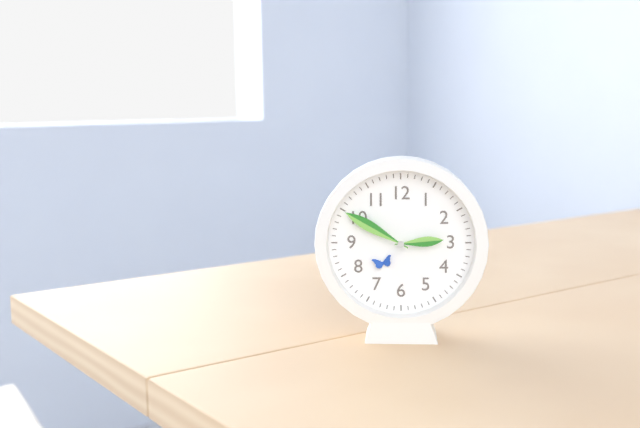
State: 2:50
